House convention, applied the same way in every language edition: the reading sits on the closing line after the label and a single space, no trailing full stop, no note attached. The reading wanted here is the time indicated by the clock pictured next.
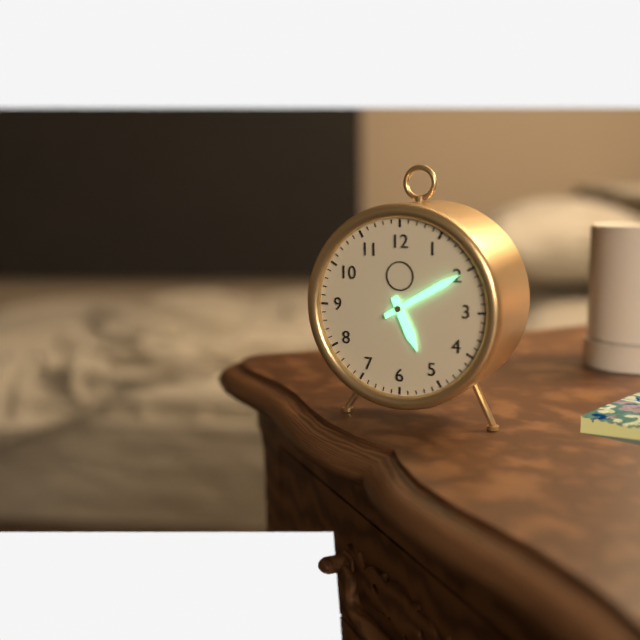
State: 5:10
